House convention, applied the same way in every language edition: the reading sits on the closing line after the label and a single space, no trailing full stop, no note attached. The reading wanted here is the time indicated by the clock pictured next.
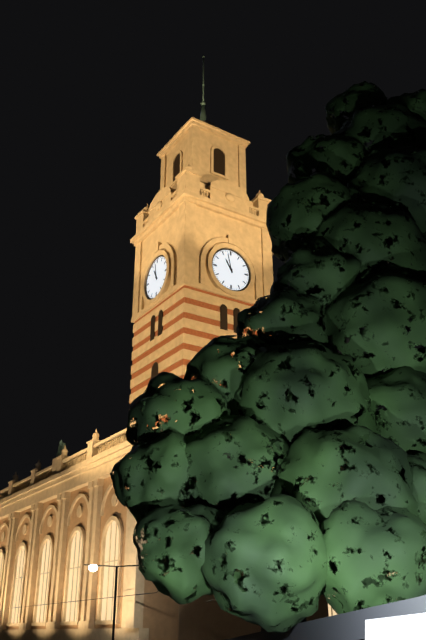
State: 10:58
